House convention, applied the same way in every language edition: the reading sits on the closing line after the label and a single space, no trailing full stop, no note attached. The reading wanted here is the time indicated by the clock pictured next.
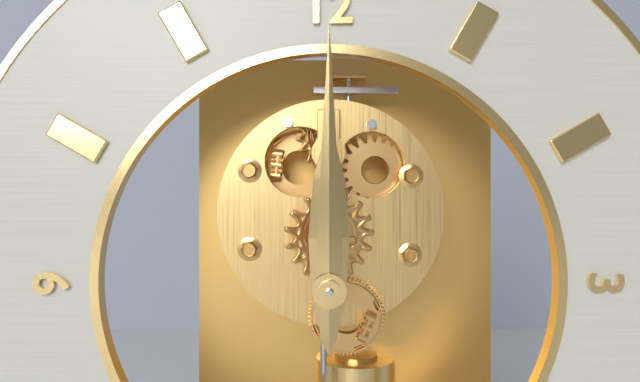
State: 12:00
